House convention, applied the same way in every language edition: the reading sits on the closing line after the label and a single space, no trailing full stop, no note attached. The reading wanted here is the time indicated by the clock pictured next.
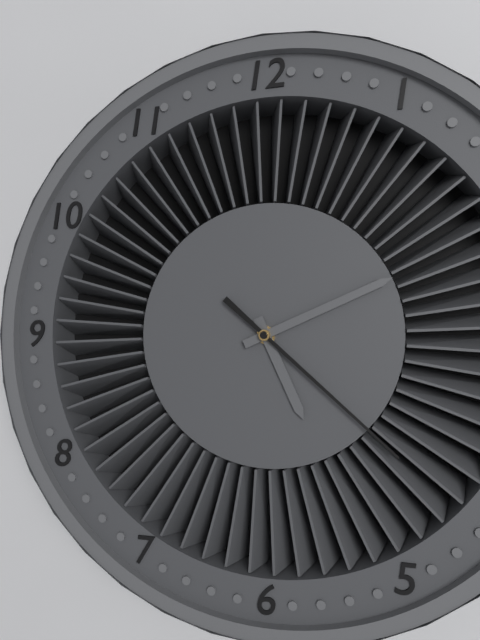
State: 5:11:22
